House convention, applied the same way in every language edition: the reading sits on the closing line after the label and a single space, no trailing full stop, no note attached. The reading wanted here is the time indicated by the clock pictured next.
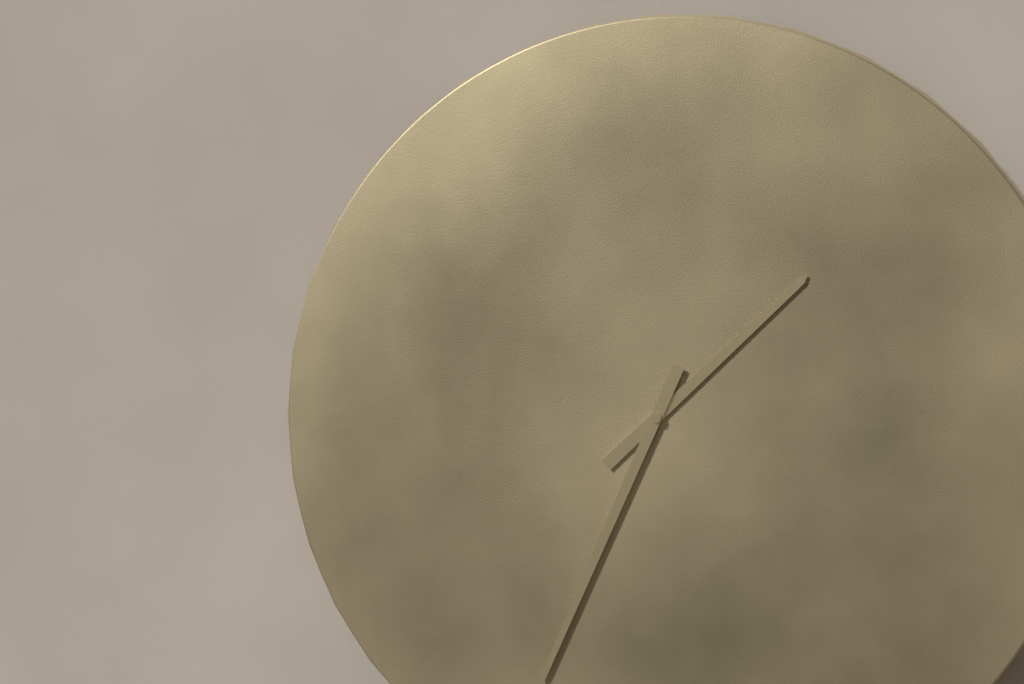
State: 1:34
